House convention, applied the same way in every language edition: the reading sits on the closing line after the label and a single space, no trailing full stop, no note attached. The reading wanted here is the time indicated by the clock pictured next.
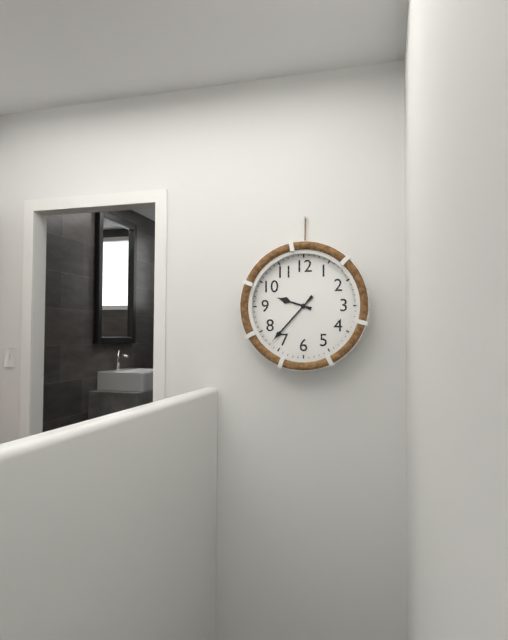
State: 9:37
